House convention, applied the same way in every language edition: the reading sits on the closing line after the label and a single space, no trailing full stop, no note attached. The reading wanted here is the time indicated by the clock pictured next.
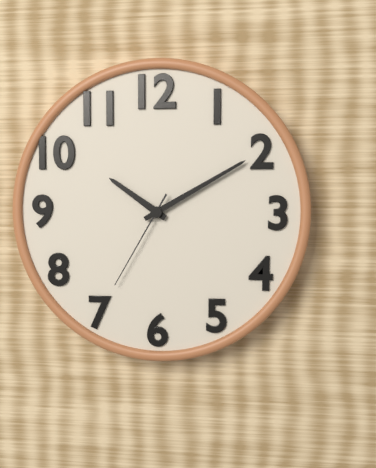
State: 10:10:35
